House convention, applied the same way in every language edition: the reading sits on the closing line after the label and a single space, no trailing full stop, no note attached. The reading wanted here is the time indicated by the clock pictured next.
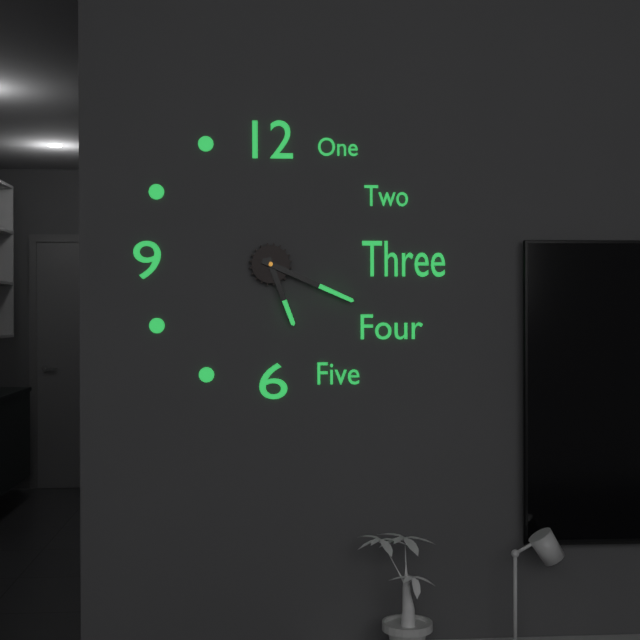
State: 5:19
